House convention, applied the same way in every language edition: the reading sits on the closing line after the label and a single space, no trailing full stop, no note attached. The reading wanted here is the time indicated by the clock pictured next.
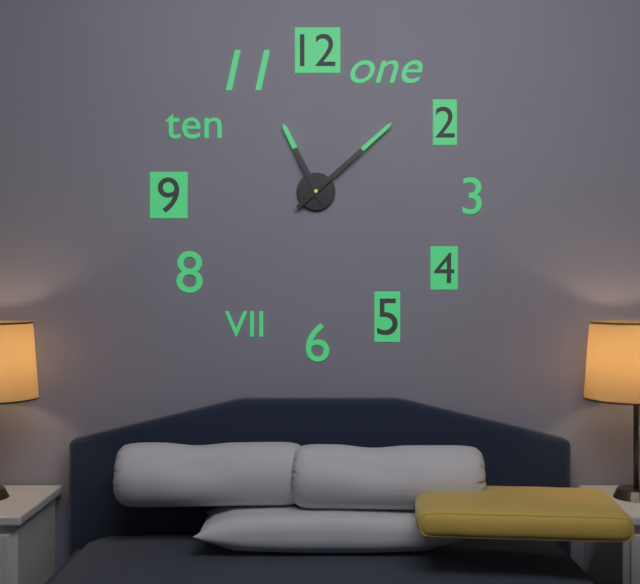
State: 11:08
